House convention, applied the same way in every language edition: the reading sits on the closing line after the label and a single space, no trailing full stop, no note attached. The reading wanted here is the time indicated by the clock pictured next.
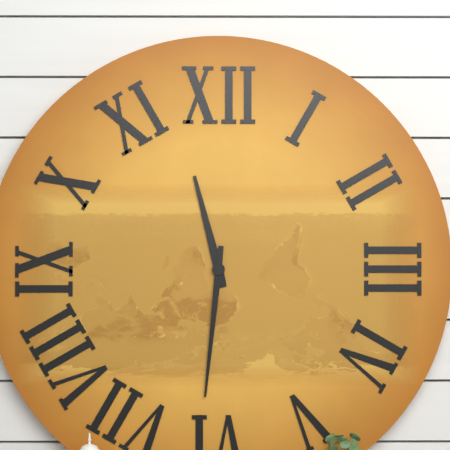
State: 11:31
